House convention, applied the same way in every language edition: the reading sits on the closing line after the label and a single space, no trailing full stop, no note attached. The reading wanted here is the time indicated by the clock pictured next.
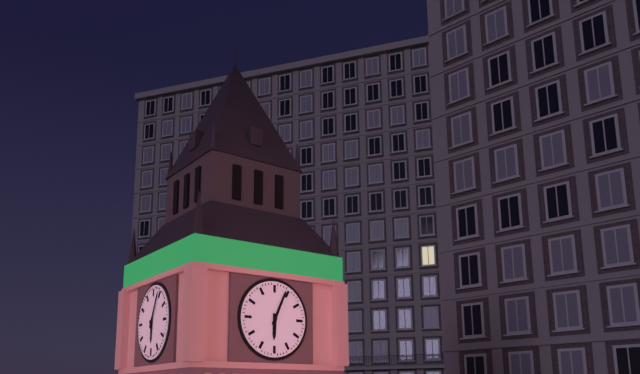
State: 6:04
